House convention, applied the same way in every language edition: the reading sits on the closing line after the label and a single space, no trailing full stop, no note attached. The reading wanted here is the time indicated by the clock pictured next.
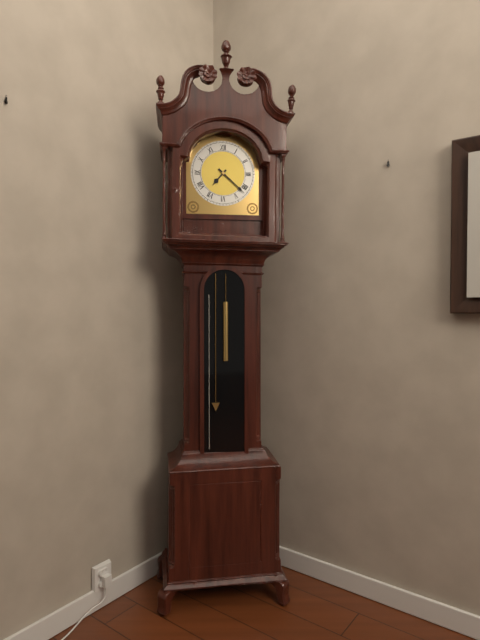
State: 7:22
